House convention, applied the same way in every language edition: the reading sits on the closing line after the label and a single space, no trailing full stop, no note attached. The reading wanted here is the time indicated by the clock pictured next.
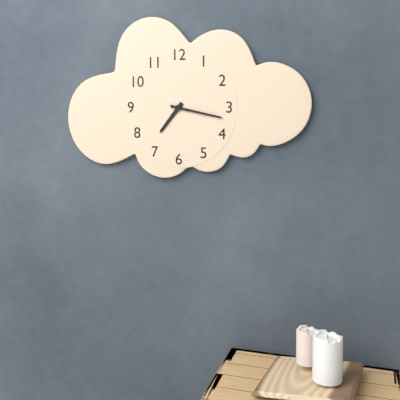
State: 7:17
